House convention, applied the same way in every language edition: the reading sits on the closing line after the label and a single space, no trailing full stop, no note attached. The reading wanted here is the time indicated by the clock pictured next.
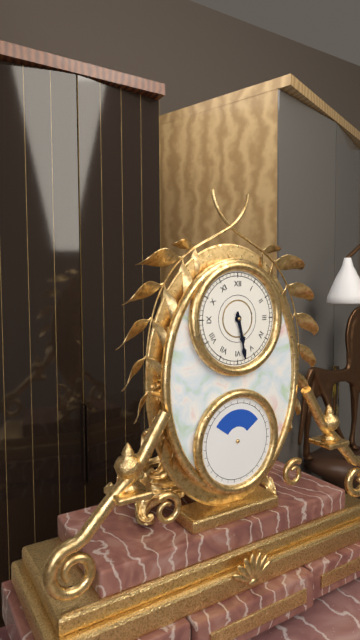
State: 5:28
